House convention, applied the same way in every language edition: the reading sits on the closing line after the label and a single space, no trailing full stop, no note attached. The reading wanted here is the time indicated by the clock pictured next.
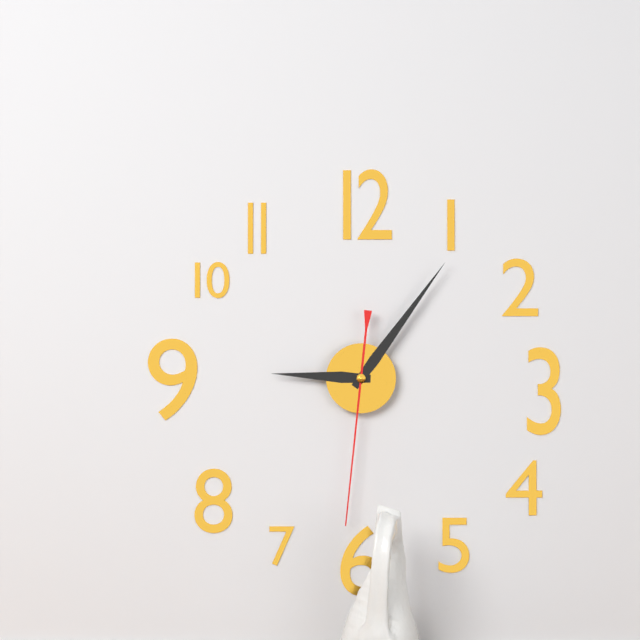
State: 9:06:31
